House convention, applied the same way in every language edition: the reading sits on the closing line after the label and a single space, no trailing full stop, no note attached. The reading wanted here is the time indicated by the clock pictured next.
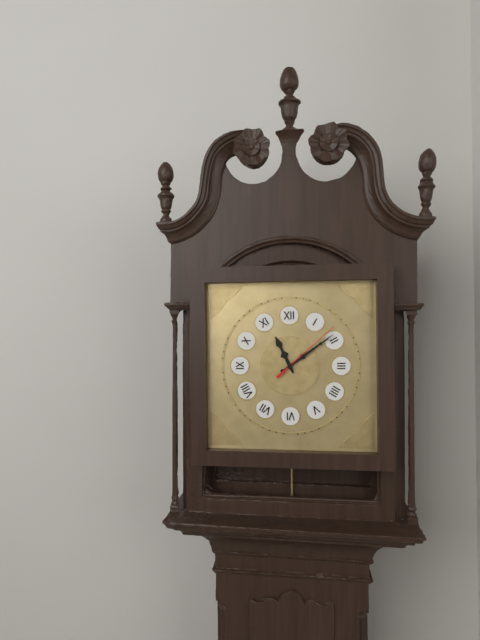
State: 11:09:08
